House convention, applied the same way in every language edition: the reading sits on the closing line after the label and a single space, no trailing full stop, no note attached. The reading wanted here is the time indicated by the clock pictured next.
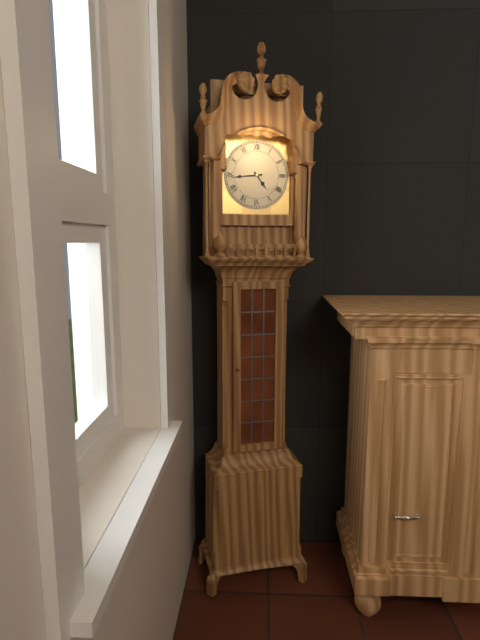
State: 4:44
